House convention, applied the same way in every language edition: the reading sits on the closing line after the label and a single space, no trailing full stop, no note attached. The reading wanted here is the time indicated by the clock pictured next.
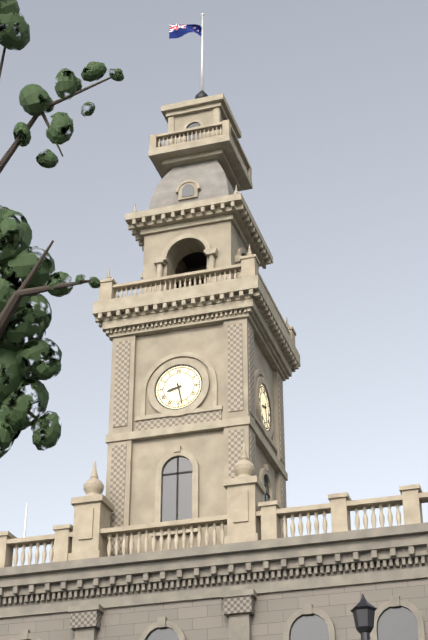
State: 8:28
